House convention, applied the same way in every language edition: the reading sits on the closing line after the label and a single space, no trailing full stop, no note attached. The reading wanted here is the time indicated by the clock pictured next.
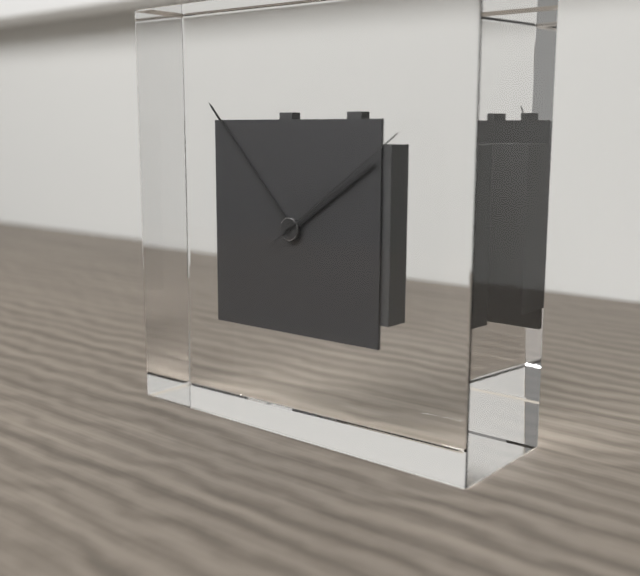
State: 1:53:09
